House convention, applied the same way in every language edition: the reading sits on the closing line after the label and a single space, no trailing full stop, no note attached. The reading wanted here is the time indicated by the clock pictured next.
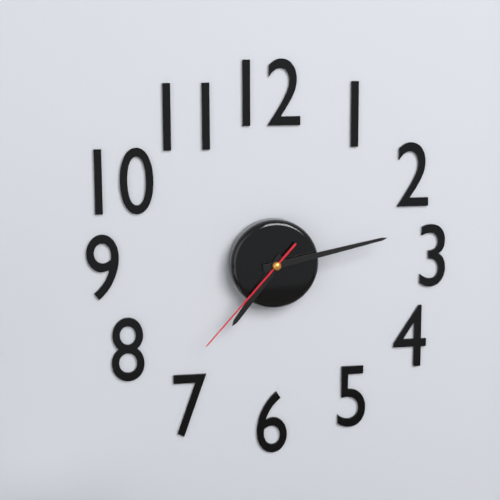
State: 7:13:37
